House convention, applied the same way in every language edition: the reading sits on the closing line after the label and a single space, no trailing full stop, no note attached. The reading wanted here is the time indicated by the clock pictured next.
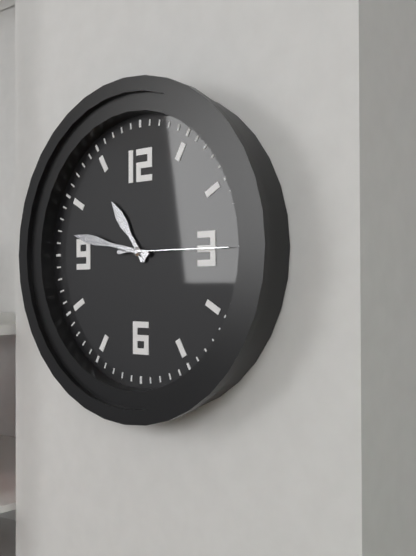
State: 10:47:15
